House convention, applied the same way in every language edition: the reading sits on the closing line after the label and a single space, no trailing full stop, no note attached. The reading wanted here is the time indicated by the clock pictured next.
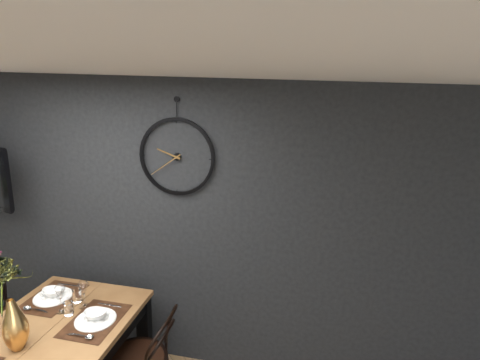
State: 9:39
